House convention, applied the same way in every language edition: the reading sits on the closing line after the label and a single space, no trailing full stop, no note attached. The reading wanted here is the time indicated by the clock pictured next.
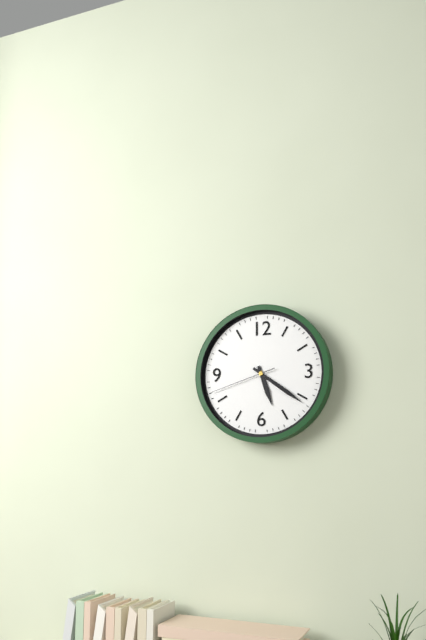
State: 5:21:42
